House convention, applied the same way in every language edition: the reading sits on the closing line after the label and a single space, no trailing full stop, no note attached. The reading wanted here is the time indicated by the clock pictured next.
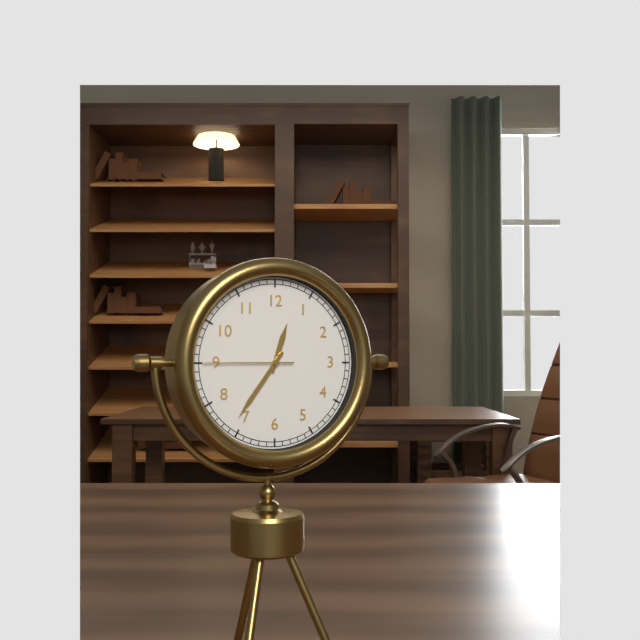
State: 12:36:45
